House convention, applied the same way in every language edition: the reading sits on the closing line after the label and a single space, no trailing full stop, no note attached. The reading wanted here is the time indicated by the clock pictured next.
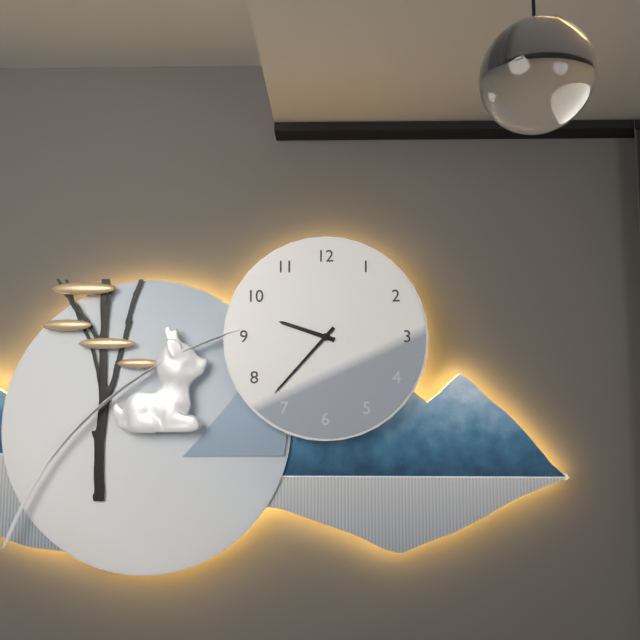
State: 9:37
